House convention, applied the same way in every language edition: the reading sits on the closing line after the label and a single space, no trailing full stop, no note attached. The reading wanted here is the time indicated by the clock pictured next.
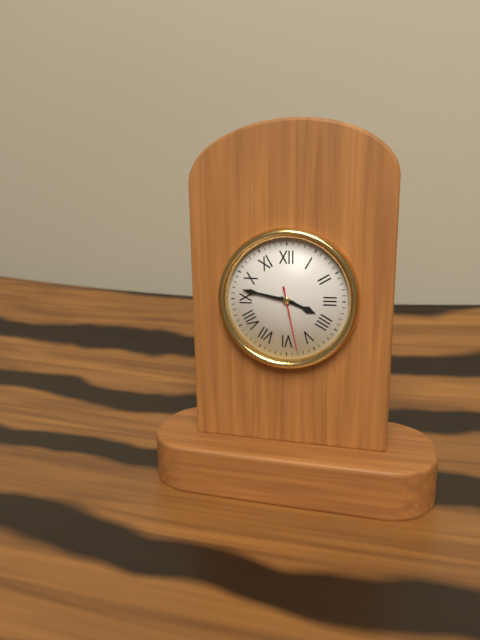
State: 3:47:28
